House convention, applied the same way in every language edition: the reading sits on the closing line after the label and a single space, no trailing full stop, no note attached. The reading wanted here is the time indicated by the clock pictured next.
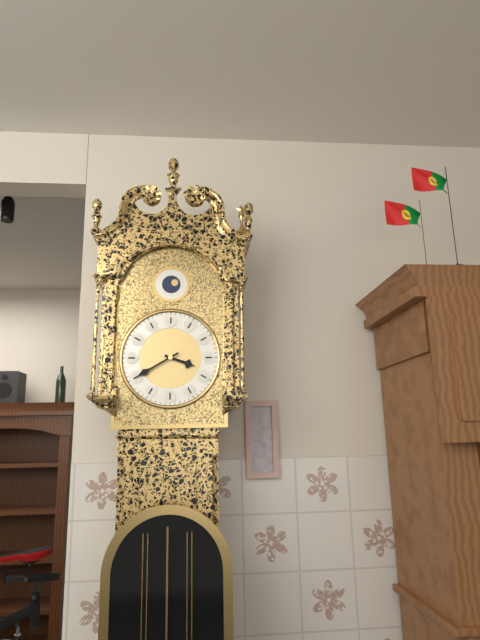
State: 3:40
